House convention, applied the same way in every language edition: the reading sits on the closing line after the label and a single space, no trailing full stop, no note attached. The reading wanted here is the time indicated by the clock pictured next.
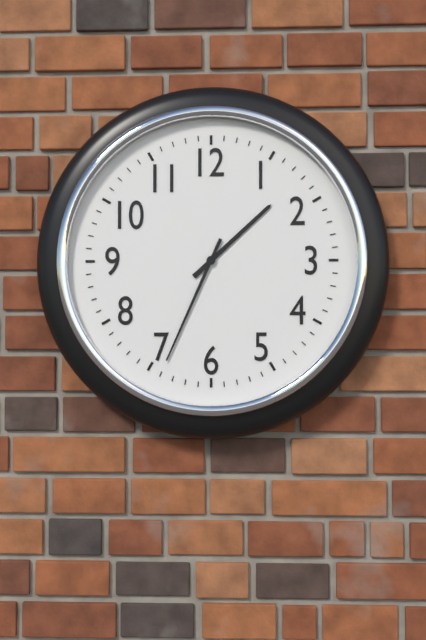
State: 1:34
